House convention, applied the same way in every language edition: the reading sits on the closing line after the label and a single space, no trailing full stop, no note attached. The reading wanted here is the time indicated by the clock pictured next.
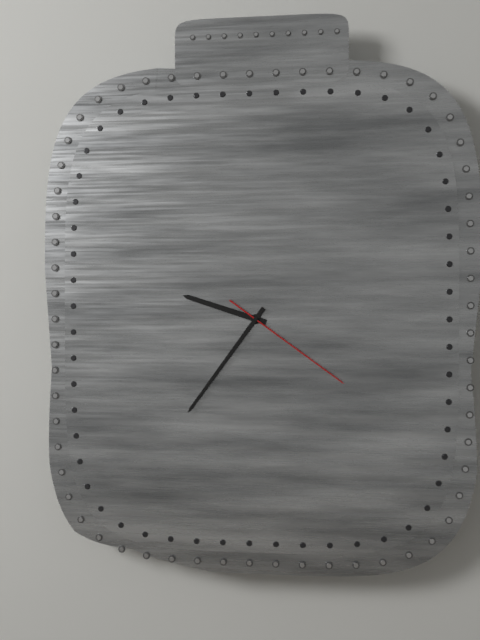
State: 9:36:21
